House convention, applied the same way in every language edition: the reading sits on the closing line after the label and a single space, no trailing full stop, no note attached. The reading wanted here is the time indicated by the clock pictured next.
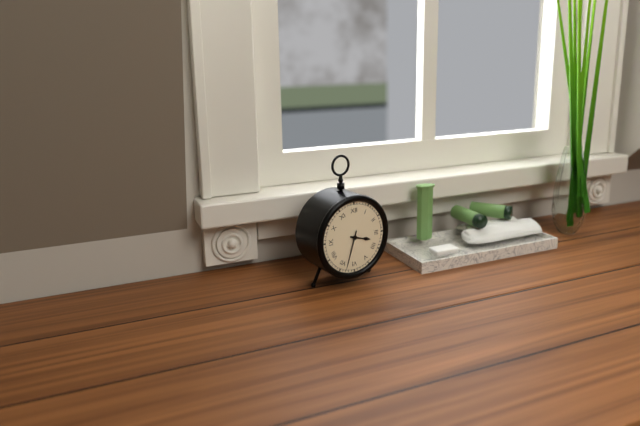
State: 3:33
